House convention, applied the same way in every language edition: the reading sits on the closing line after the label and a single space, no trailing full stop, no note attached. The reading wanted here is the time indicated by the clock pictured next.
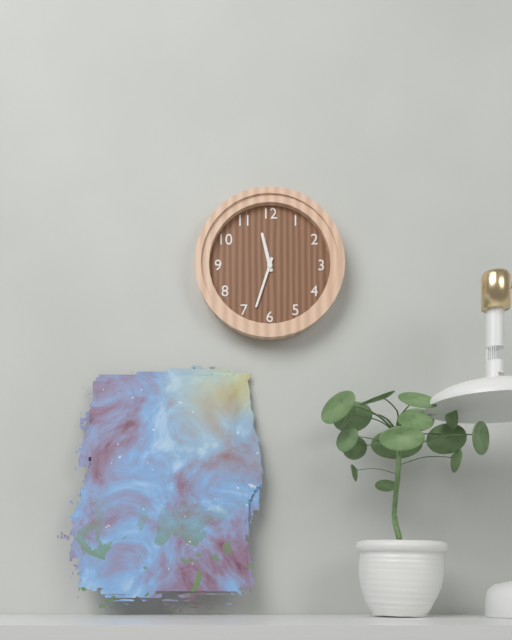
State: 11:33
